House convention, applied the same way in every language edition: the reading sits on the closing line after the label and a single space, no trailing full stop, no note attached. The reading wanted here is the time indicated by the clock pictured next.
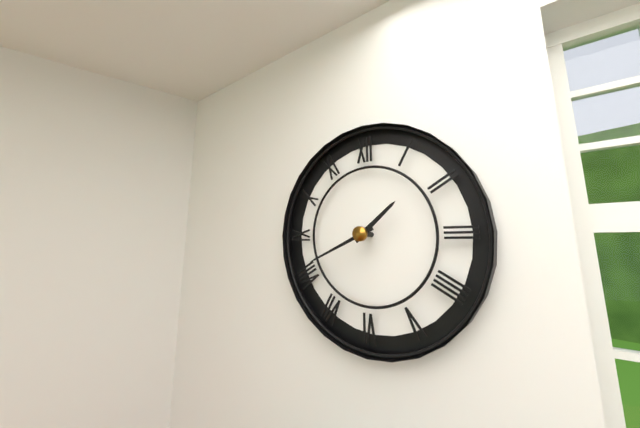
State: 1:41
